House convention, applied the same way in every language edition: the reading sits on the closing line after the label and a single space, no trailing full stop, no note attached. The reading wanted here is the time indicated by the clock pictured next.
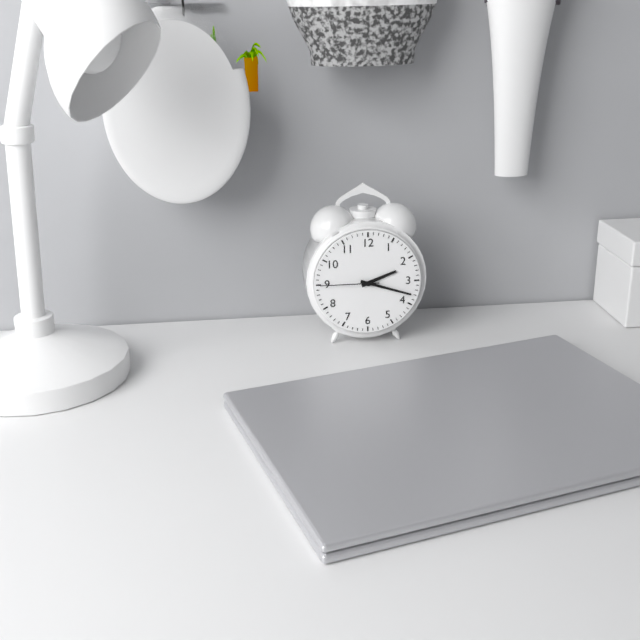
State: 2:18:45
